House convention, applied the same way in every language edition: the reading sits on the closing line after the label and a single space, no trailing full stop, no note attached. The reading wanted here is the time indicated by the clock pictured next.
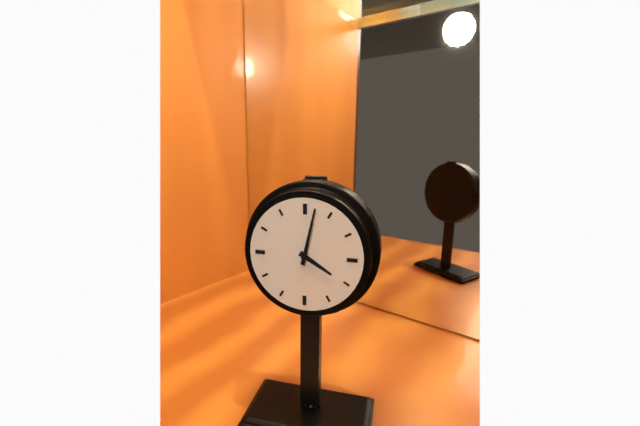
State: 4:02
